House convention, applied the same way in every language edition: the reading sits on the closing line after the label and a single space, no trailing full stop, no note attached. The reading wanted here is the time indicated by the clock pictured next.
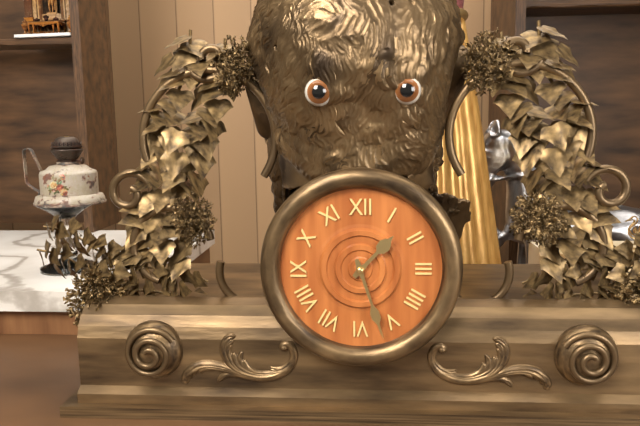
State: 1:27
